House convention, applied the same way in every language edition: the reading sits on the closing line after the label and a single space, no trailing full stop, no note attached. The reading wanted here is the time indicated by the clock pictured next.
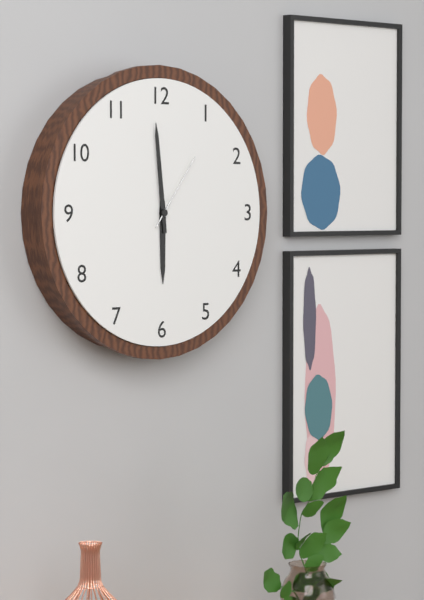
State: 5:59:06
